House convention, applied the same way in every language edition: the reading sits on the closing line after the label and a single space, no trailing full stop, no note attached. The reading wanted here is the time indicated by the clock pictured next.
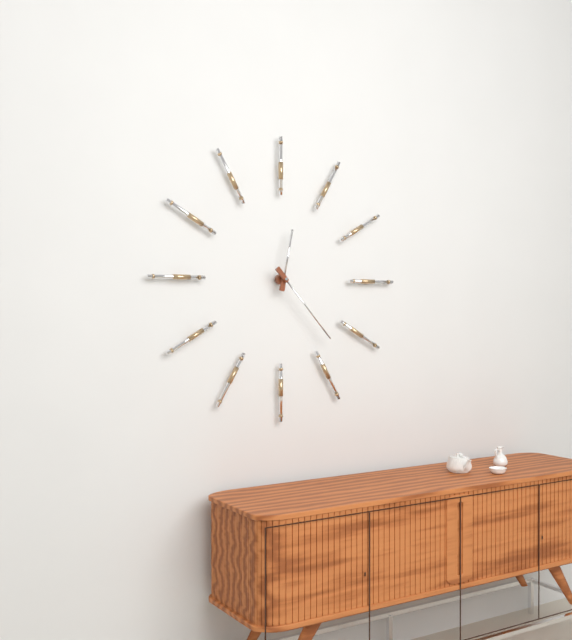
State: 12:23
